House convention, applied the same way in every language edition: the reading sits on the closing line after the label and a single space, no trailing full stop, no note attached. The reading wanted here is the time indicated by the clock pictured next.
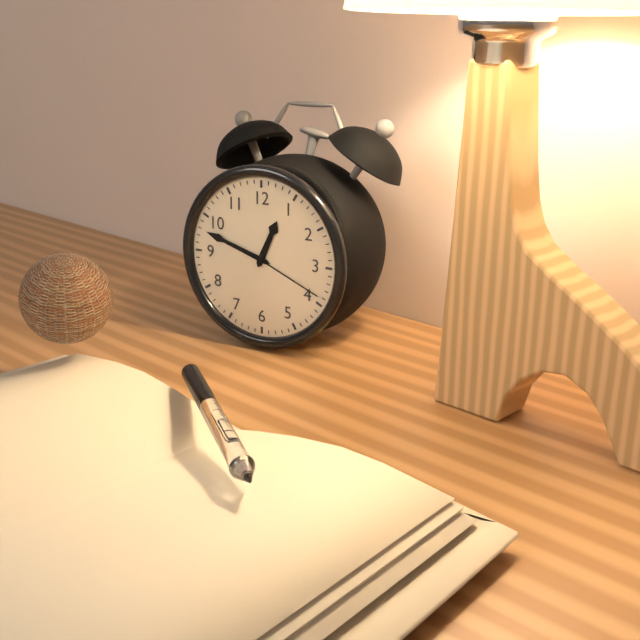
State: 12:48:19
